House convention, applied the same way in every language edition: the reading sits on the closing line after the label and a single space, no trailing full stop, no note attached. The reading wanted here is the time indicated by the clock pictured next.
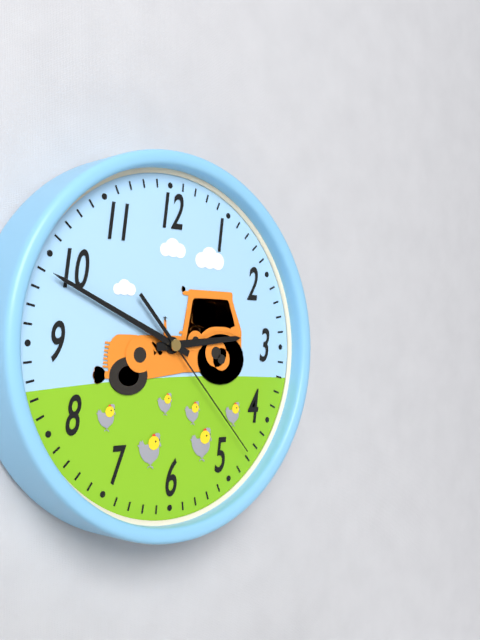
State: 2:49:23
